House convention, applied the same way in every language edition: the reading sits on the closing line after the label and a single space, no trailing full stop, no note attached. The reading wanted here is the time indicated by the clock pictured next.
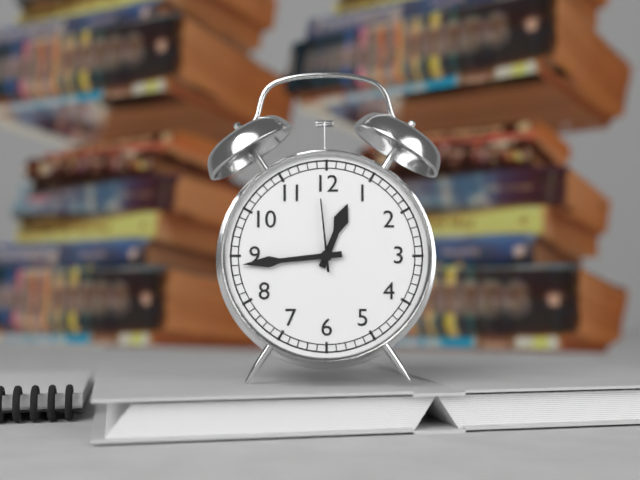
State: 12:44:59
